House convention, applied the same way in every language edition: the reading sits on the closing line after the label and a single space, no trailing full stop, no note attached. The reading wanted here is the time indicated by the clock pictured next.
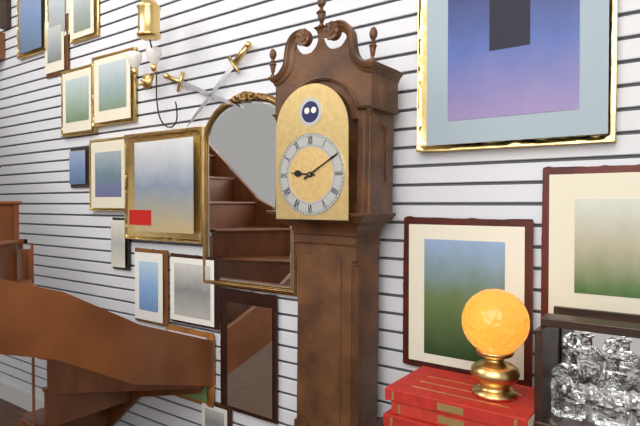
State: 9:10
